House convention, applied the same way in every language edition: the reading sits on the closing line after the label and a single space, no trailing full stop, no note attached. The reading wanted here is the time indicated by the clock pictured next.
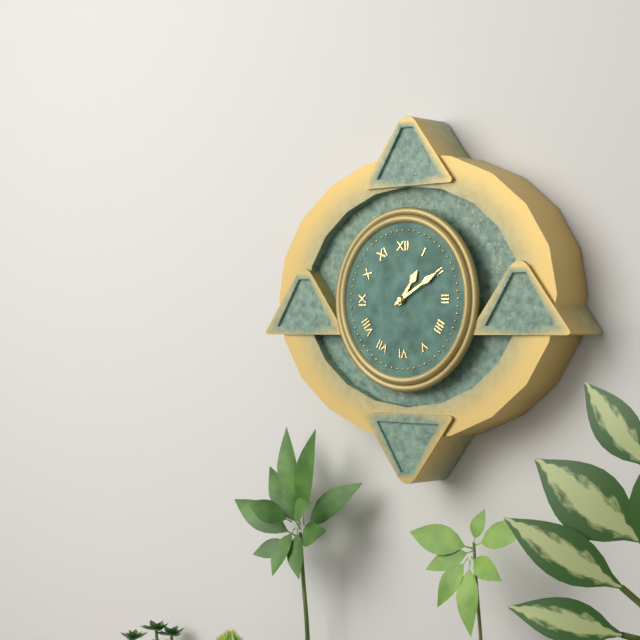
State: 1:10
